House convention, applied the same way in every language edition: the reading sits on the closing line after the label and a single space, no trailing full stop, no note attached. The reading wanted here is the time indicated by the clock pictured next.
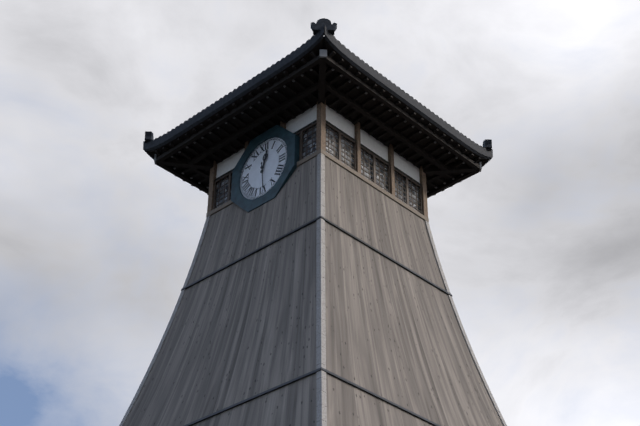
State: 12:29
